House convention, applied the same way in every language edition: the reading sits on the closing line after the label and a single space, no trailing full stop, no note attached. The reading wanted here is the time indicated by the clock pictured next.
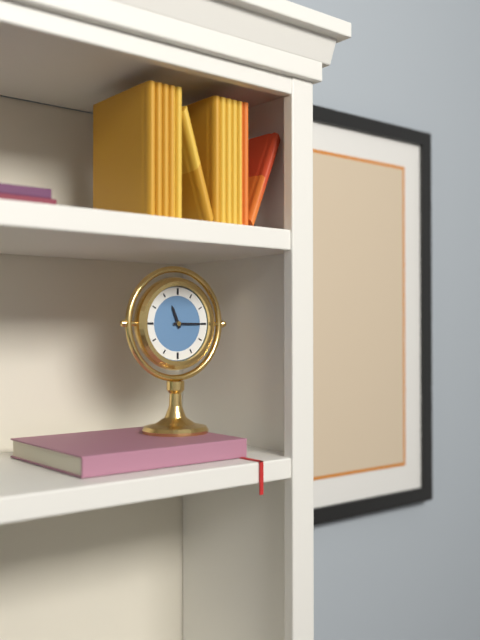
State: 11:15
